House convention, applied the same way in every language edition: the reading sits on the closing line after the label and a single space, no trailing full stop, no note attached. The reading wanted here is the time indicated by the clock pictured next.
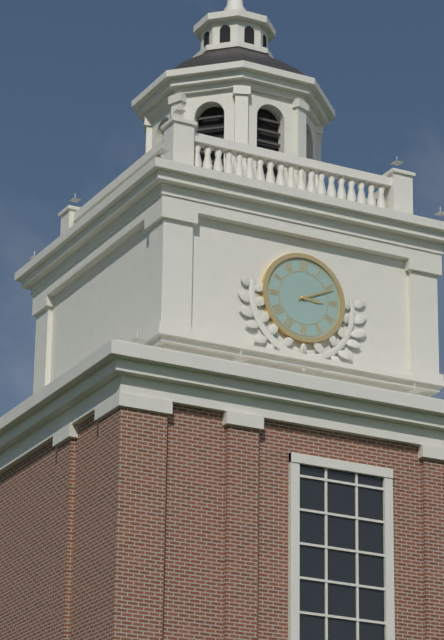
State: 3:11
